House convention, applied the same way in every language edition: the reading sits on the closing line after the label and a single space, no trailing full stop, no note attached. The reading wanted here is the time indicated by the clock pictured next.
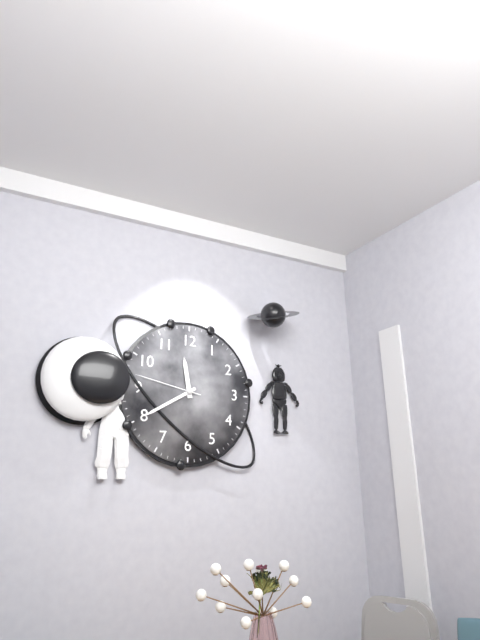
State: 11:40:47
